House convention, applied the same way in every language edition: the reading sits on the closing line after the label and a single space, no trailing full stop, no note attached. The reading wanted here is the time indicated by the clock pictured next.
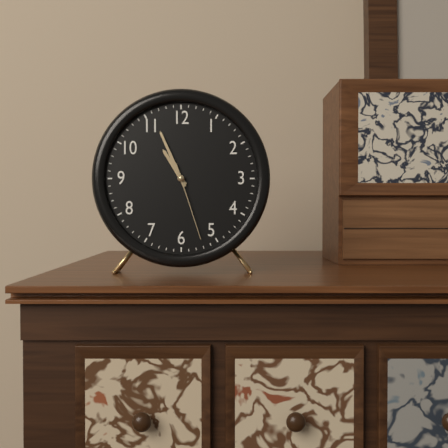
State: 10:56:27
